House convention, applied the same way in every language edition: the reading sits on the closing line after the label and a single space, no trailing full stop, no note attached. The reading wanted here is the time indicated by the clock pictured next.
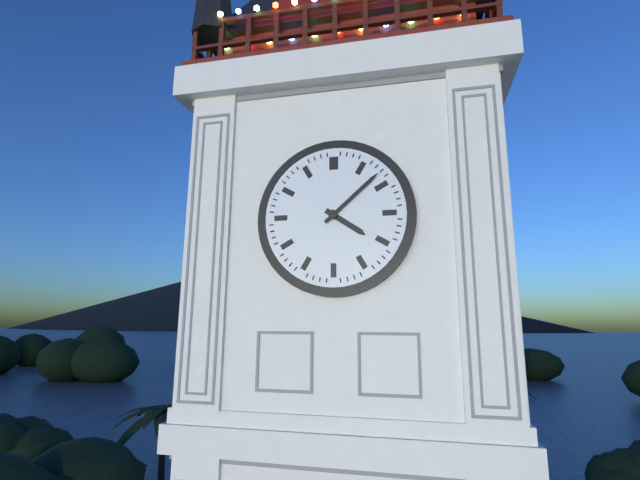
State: 4:08
